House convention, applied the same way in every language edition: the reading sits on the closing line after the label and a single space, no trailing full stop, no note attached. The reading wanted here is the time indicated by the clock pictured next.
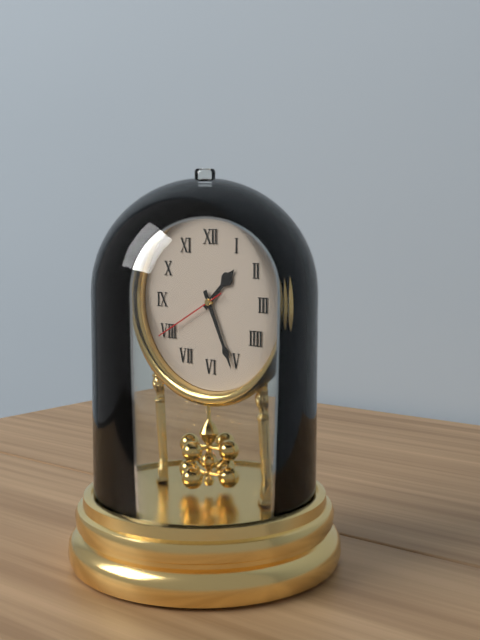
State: 1:26:40
